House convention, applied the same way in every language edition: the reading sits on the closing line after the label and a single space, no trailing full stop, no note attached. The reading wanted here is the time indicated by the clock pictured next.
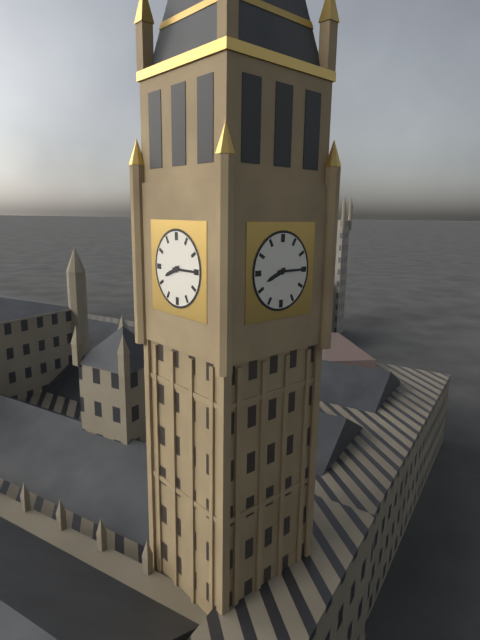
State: 8:15
